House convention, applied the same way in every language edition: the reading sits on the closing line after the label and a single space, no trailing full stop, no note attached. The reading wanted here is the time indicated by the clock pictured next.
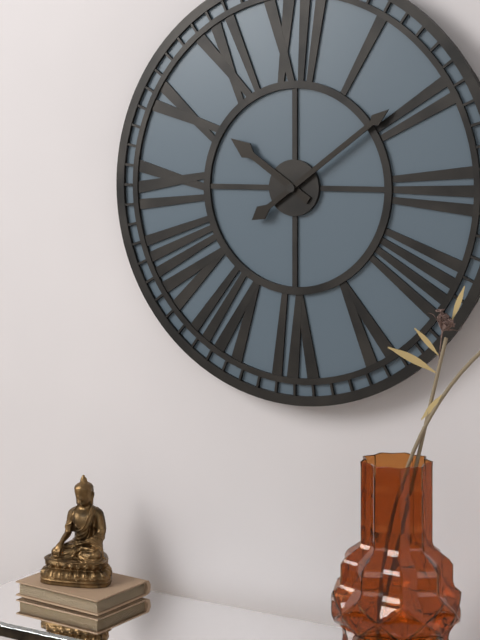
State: 10:09
